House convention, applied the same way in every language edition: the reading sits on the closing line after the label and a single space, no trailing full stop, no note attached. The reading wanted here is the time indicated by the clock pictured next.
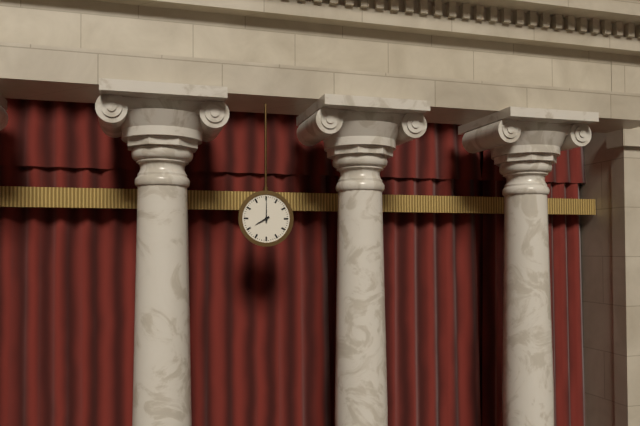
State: 8:00
